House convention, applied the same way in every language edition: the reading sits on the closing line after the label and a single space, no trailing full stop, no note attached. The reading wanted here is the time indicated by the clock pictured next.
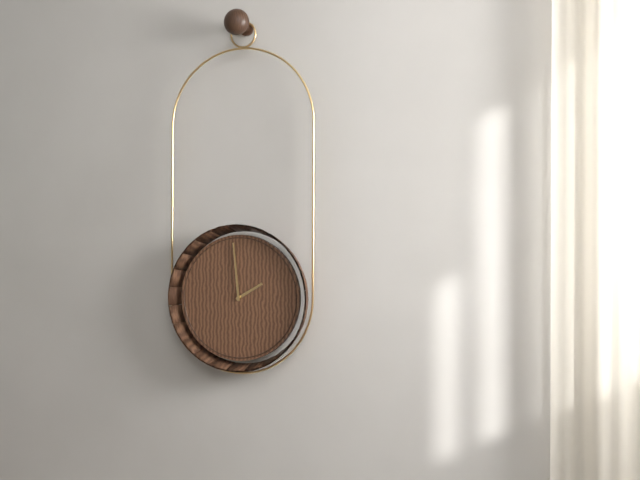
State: 1:59
